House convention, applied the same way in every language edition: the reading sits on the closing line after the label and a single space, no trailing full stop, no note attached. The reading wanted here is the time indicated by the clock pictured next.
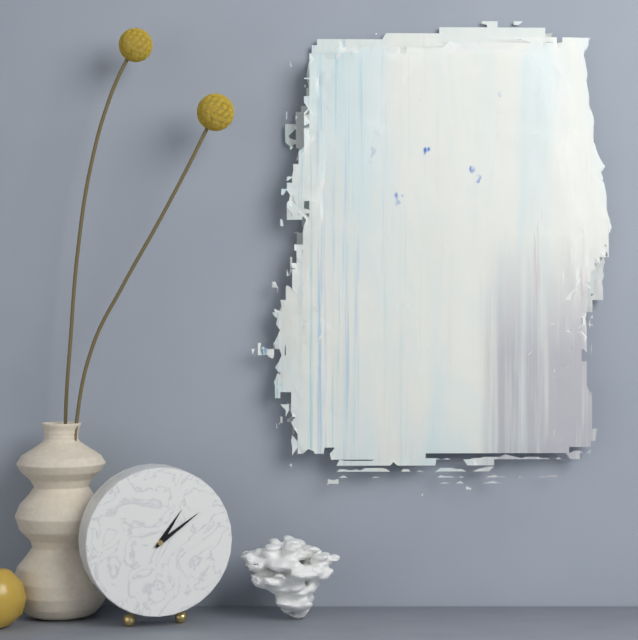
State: 1:09
